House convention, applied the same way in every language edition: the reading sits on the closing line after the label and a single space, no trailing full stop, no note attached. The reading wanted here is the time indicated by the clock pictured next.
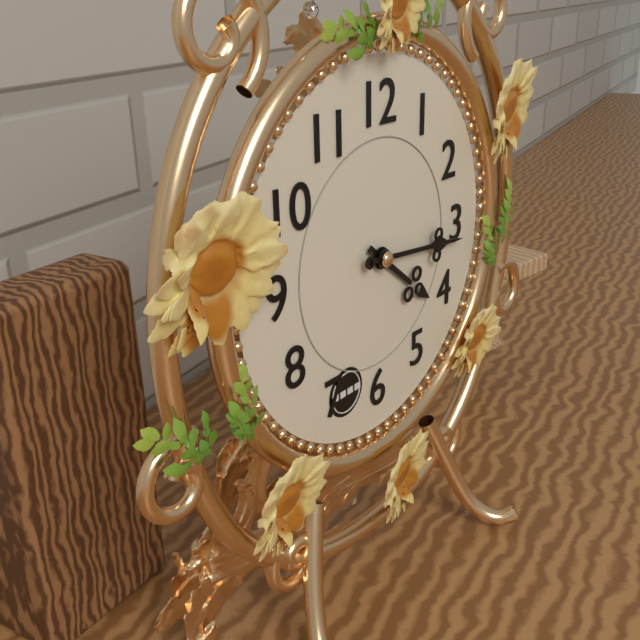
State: 4:16
